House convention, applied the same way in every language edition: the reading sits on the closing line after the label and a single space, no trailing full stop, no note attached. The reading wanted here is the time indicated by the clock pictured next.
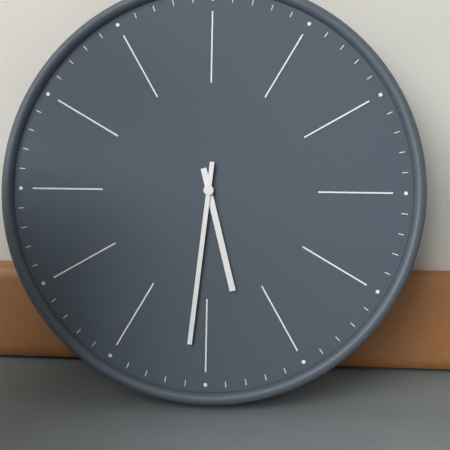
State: 5:31
